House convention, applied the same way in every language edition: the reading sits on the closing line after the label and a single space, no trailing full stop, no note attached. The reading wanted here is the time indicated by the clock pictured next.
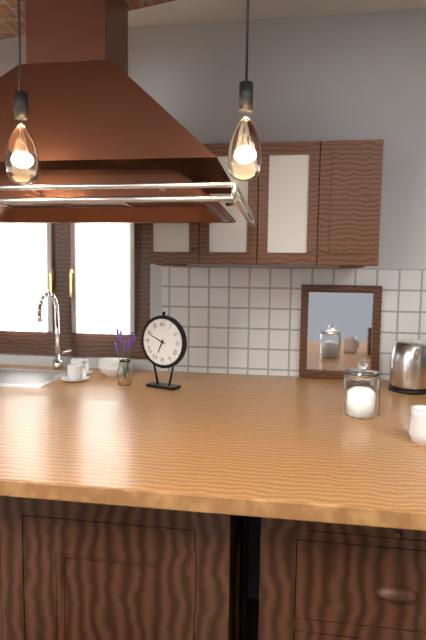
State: 6:49
